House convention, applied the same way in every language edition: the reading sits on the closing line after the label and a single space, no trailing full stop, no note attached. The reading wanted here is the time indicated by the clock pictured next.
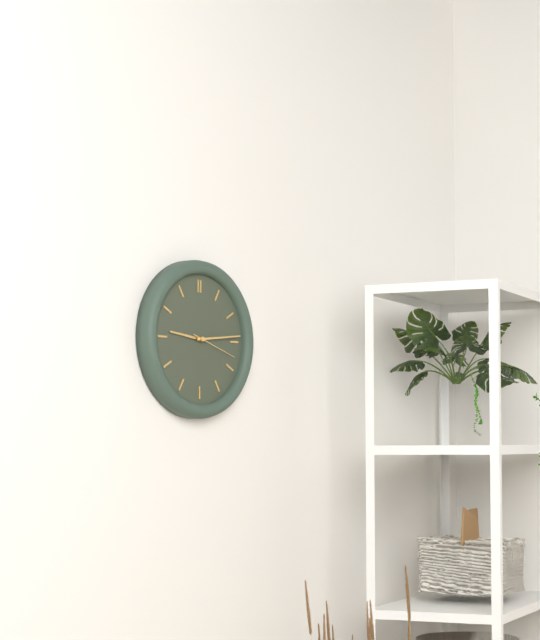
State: 9:14
